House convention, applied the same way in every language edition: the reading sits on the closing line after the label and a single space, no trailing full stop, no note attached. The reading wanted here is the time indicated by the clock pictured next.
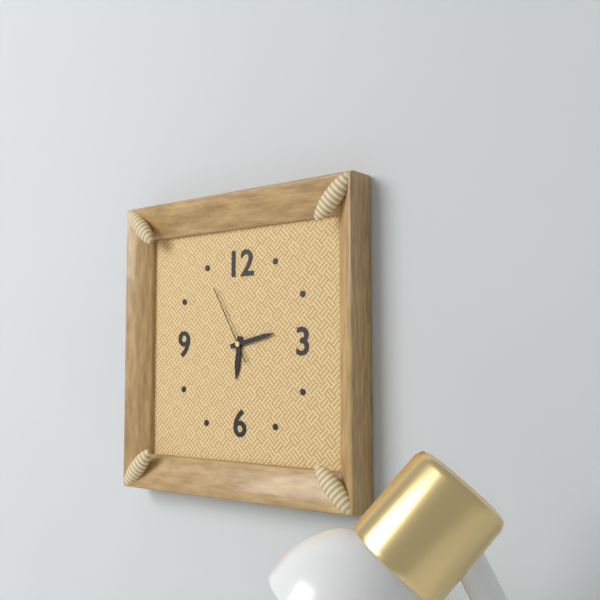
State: 6:13:55
